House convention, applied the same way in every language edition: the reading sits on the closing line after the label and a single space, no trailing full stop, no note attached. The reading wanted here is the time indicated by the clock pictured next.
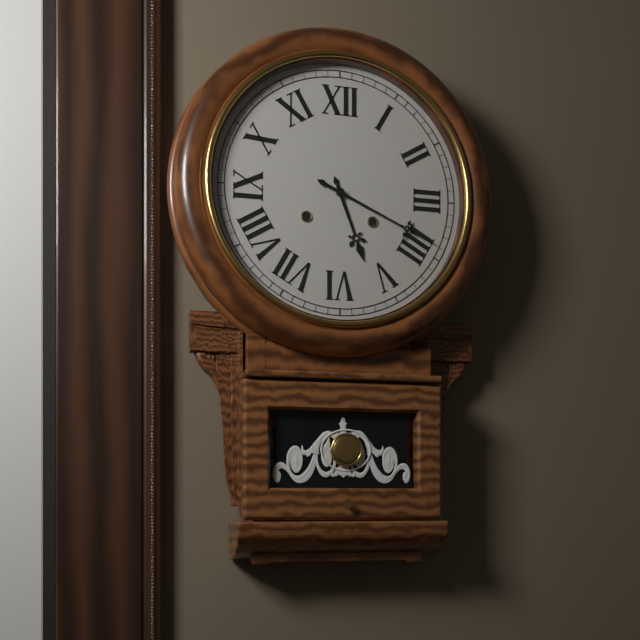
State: 5:19
